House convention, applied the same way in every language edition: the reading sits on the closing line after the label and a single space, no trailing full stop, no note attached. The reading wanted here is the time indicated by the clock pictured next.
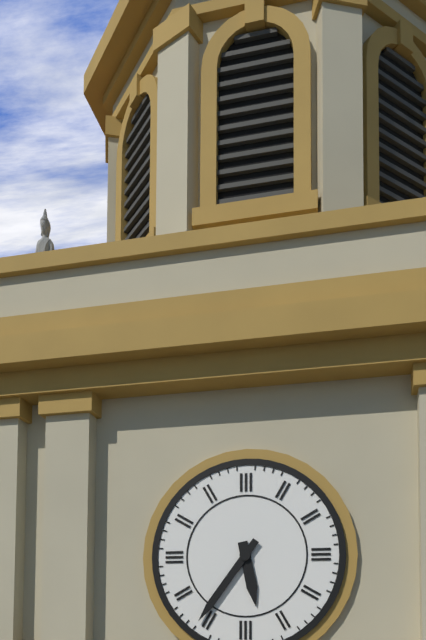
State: 5:36
